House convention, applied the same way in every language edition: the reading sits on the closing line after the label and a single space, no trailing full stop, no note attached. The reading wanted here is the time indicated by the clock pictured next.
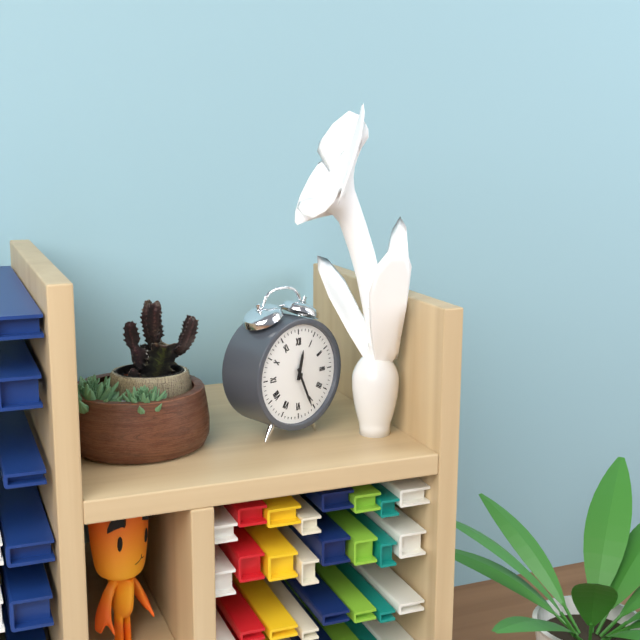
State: 12:26
